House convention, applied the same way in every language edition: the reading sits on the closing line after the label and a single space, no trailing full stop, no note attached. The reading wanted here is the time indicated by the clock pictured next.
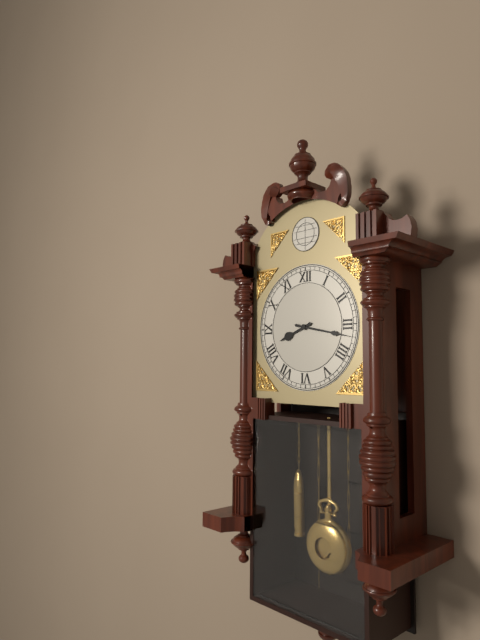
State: 8:17
